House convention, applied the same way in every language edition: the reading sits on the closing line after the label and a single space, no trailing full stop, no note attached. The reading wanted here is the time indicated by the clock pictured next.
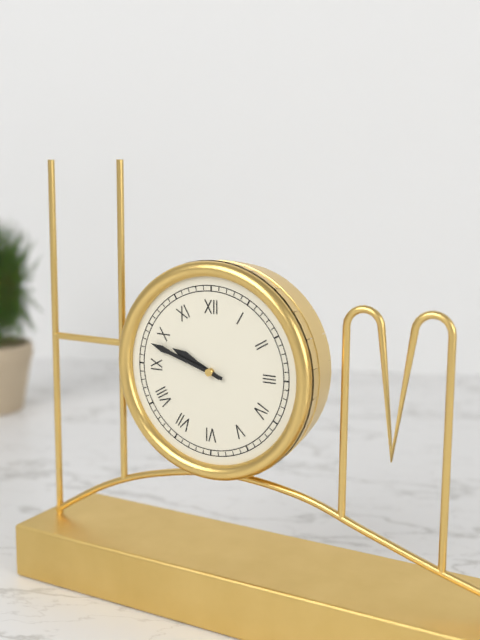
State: 9:48
